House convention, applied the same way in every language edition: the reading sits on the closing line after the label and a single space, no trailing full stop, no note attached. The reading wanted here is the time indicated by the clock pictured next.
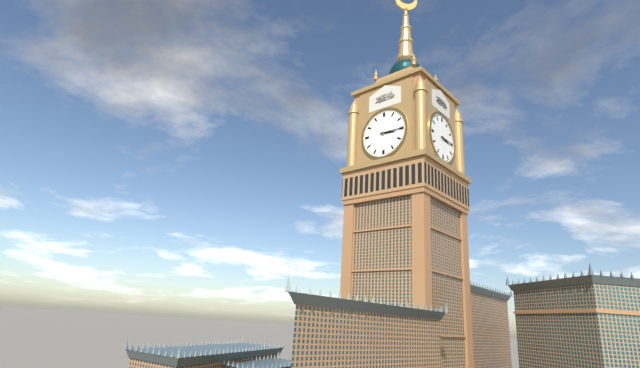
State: 3:15
